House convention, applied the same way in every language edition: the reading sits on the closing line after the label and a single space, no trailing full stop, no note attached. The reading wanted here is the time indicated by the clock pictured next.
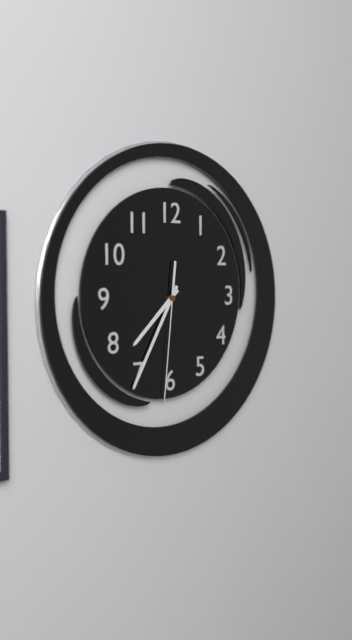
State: 7:35:31
